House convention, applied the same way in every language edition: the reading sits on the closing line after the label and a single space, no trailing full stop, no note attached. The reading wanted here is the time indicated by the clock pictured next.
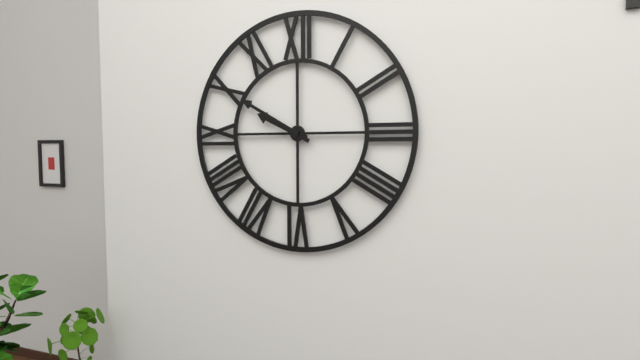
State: 9:50
